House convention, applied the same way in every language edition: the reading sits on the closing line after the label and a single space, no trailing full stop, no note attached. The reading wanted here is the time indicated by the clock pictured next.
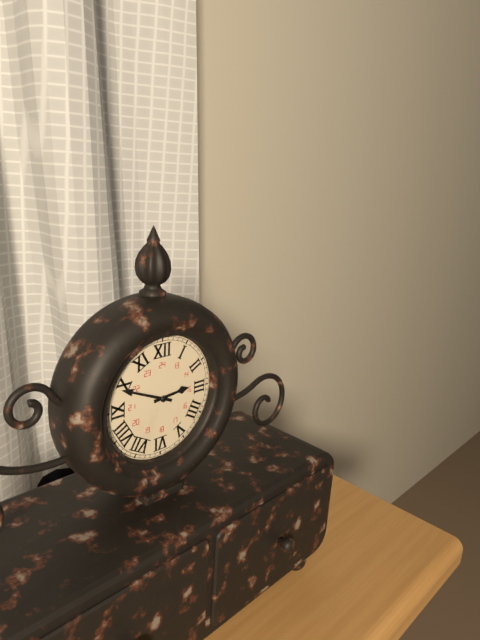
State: 2:49
